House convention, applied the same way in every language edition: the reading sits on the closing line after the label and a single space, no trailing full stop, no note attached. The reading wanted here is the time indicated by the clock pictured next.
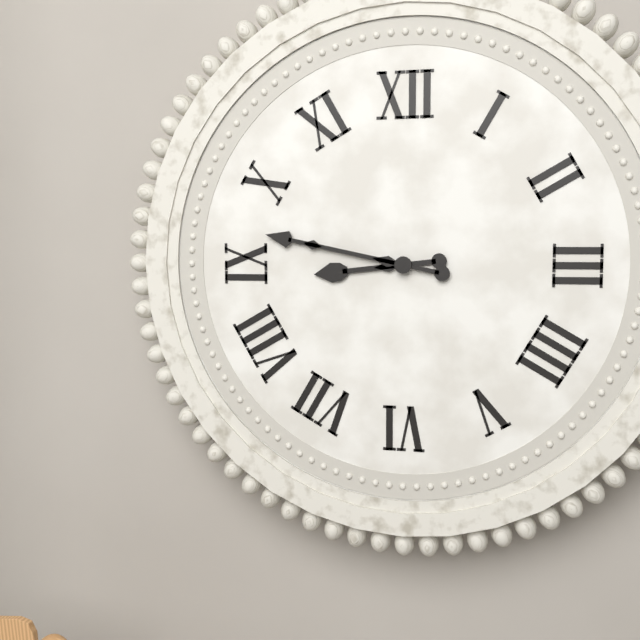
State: 8:47
